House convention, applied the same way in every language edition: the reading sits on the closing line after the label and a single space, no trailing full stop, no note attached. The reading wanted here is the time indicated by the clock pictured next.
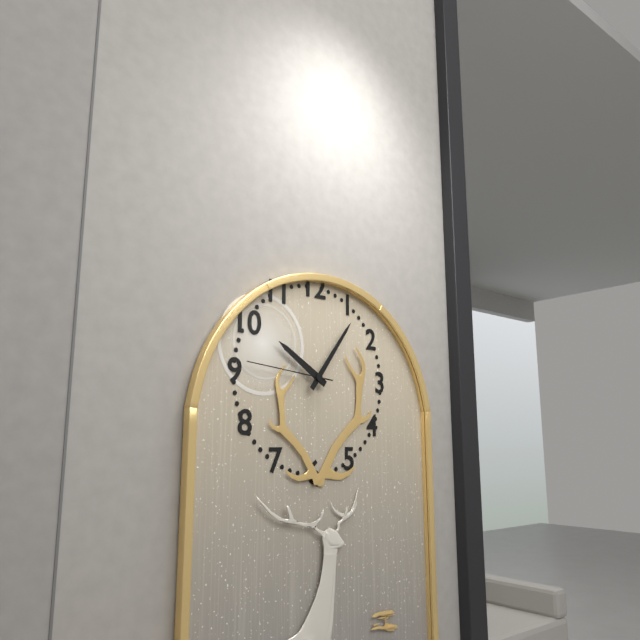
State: 10:06:46
